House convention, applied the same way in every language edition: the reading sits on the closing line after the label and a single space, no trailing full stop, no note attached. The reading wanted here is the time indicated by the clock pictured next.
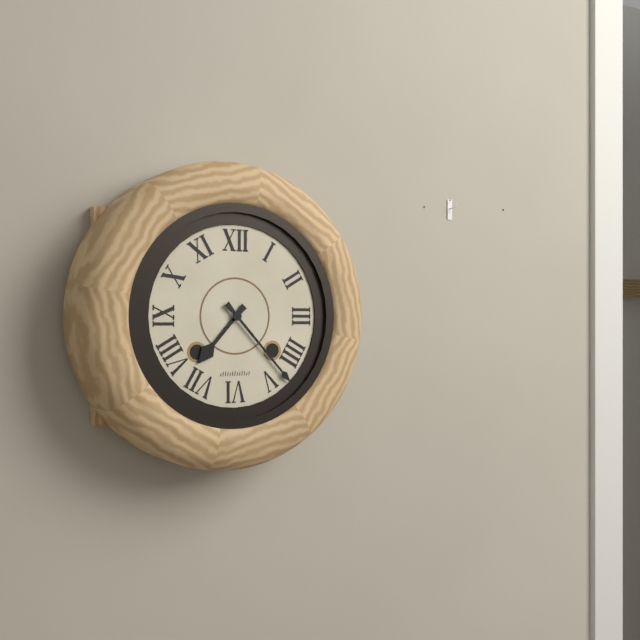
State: 7:23
